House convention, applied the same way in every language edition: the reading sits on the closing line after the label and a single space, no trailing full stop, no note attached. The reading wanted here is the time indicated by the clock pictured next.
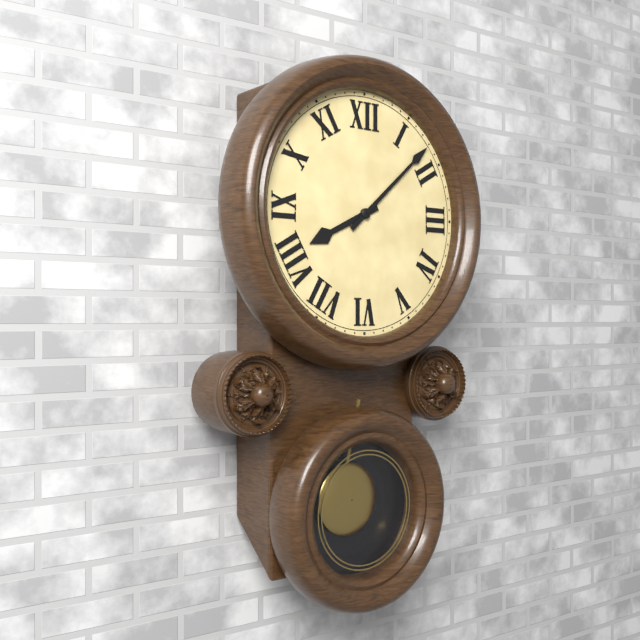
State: 8:08
